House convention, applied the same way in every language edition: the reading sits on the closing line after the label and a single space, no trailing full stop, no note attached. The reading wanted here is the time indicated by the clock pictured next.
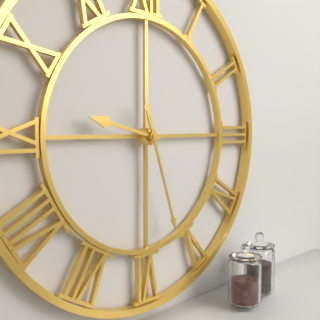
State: 9:27
